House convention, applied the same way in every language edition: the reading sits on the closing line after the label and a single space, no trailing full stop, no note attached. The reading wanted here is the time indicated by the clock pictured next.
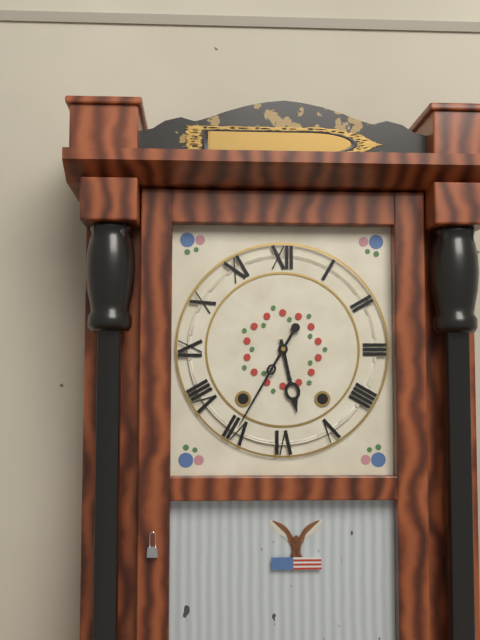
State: 5:35
